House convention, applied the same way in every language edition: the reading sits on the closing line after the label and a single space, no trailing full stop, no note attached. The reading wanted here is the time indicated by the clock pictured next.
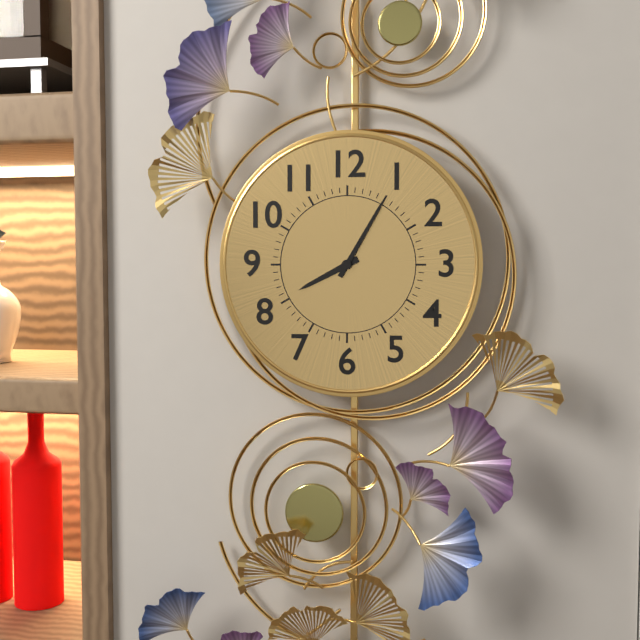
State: 8:05
